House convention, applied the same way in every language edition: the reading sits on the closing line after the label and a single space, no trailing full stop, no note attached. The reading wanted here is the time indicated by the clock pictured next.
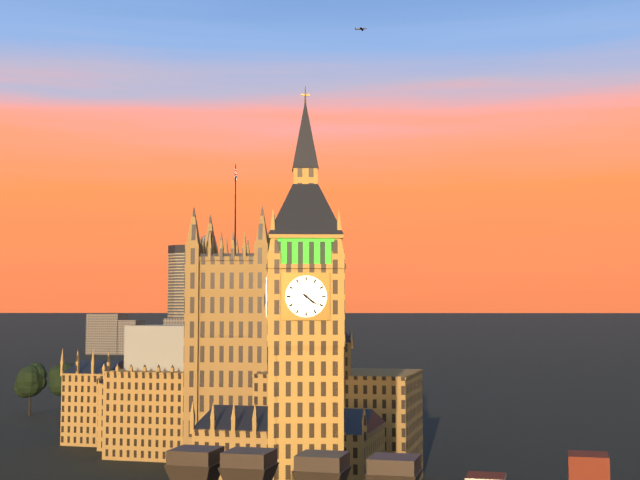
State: 4:21
